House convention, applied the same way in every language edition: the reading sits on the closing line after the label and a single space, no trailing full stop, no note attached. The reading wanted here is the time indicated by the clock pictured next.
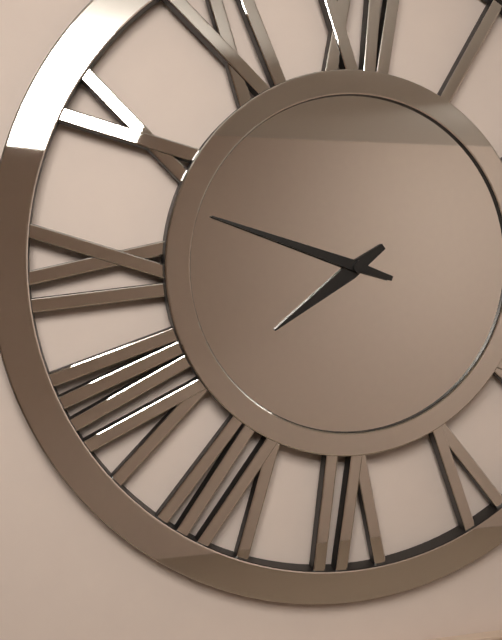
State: 7:48
